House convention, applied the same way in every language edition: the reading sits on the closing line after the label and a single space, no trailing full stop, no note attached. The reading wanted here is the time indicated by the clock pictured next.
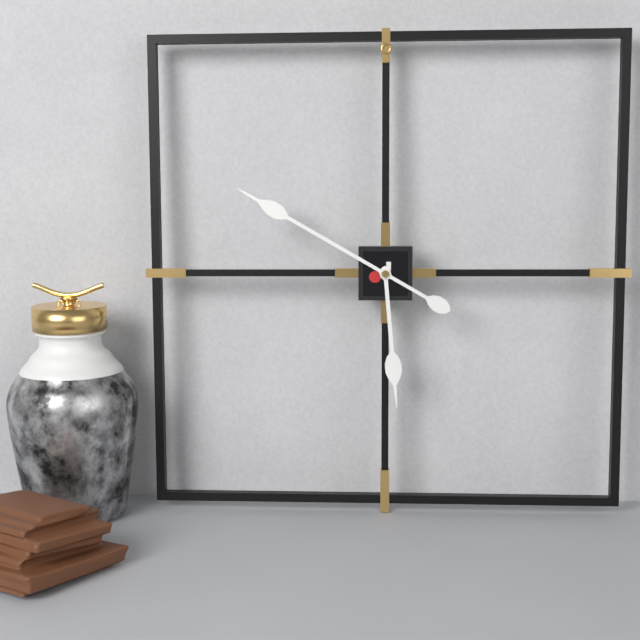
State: 5:50
